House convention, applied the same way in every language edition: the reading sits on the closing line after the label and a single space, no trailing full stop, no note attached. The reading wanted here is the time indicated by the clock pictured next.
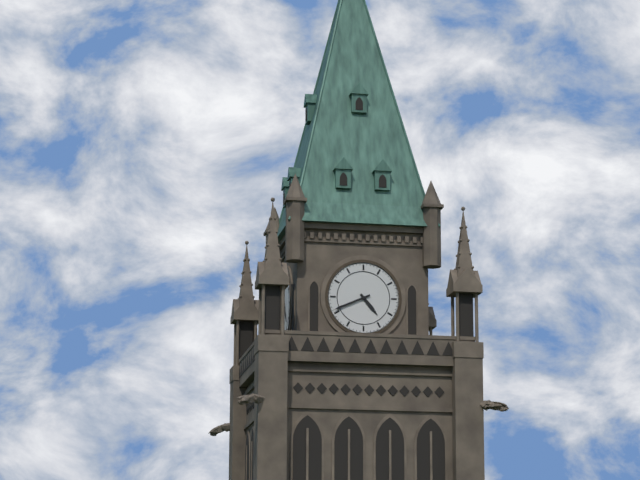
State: 4:41
